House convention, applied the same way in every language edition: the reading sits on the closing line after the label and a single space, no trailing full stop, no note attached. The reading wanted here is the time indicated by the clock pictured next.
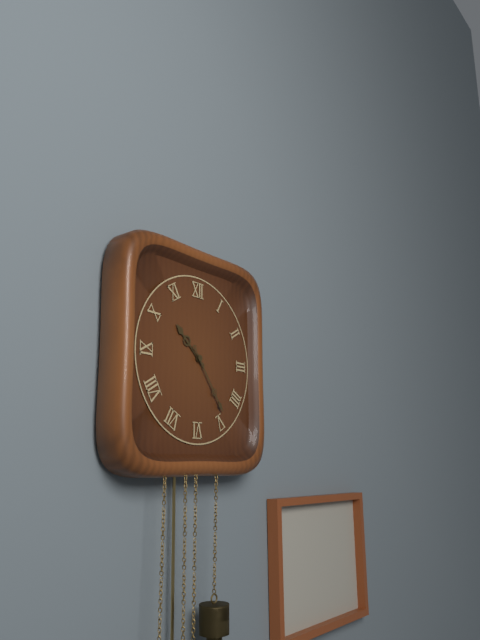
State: 10:24
